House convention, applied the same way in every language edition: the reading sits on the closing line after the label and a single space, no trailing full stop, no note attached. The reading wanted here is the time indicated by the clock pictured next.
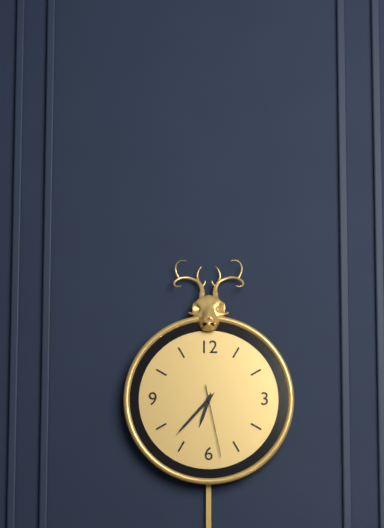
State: 6:37:28
